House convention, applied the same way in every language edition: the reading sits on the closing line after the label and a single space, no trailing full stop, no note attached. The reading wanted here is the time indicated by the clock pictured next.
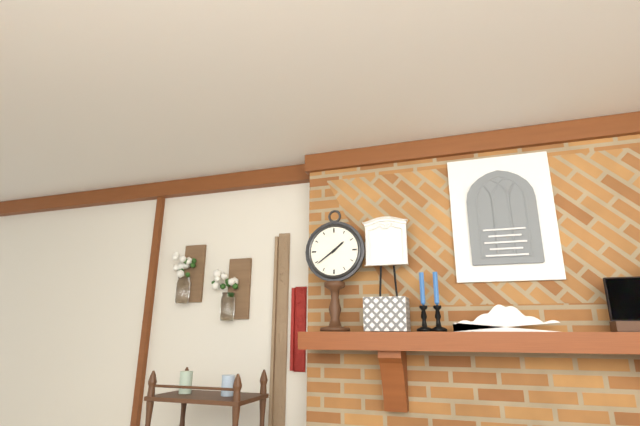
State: 1:39
